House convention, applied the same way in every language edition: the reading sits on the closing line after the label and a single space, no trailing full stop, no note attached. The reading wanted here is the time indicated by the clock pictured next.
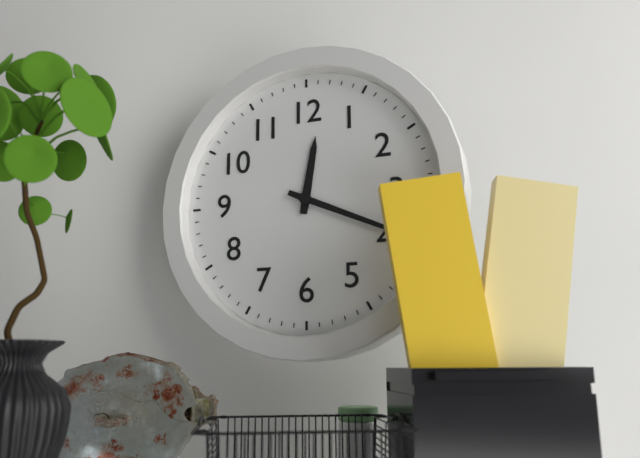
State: 12:19
